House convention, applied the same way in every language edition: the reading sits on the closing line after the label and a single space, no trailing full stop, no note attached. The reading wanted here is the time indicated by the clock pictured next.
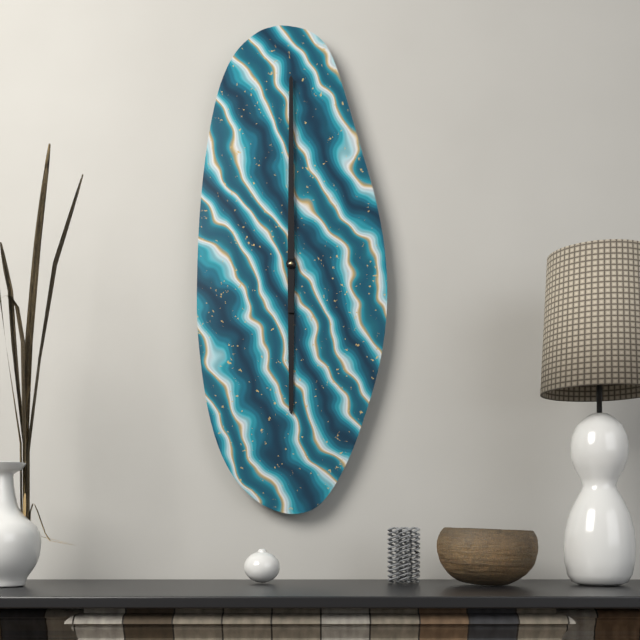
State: 6:00
